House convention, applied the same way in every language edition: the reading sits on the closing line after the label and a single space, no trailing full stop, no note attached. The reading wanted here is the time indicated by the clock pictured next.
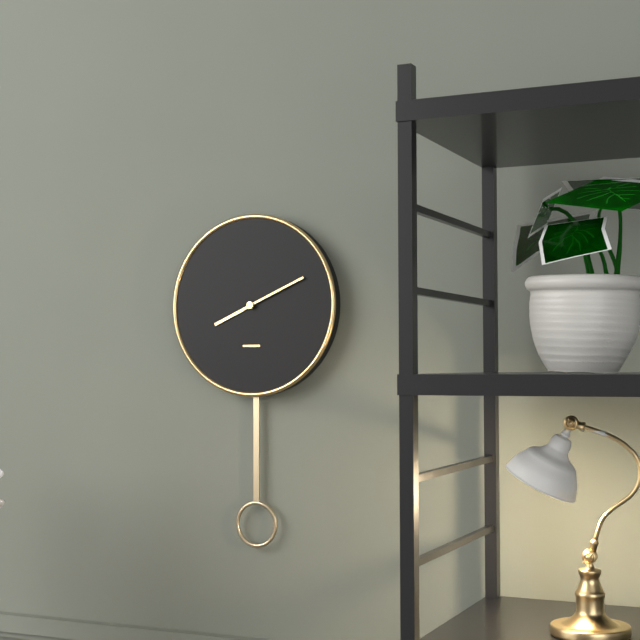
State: 8:11
